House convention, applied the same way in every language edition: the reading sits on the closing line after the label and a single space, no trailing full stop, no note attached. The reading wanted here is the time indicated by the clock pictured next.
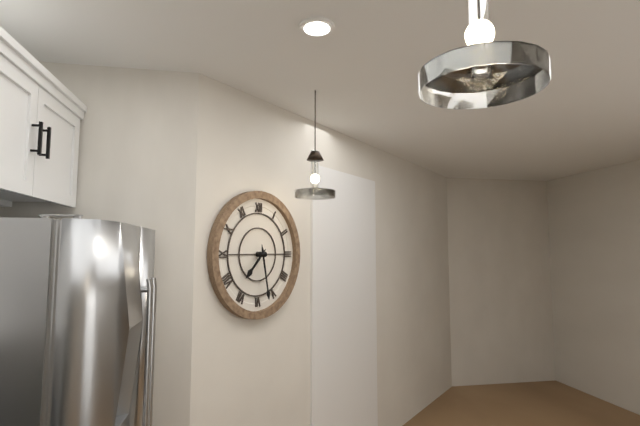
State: 7:28
